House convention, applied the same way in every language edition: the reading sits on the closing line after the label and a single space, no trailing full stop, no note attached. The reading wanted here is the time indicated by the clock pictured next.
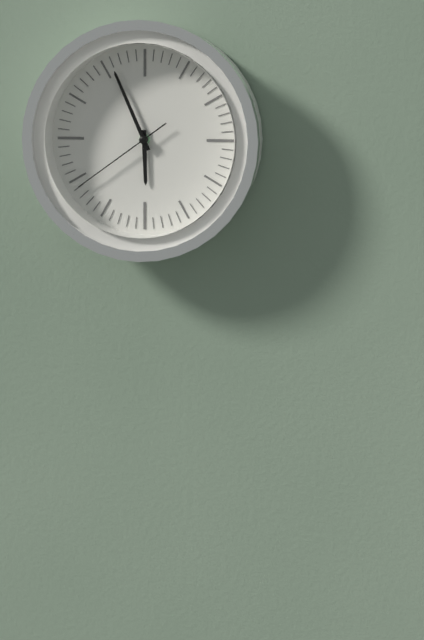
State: 5:56:39
